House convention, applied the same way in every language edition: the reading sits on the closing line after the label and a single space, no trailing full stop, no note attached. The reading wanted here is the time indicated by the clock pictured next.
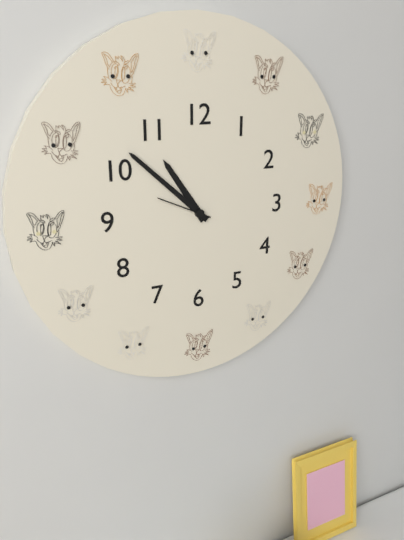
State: 10:52:49
